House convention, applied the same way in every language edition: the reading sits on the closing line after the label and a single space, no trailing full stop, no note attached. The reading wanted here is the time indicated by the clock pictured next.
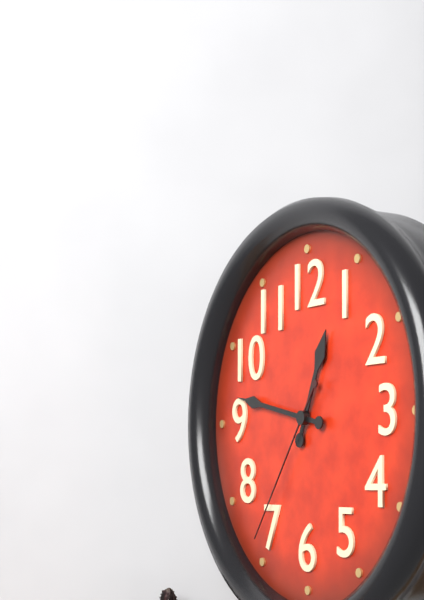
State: 12:47:36
